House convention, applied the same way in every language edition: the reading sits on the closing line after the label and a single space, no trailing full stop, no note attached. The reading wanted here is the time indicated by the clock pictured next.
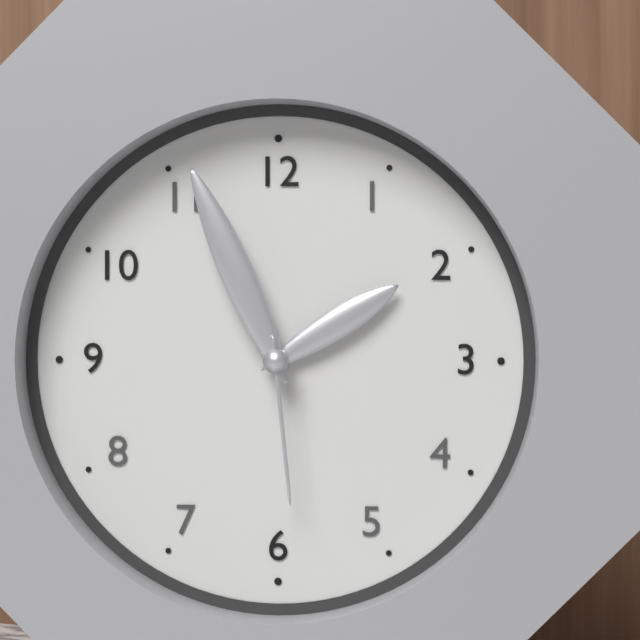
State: 1:56:29
